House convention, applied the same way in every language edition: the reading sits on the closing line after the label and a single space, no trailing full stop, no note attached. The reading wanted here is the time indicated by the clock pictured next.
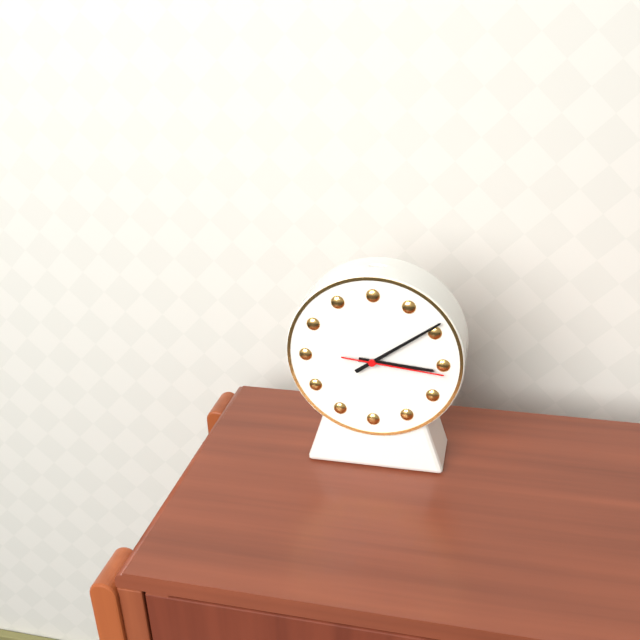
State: 3:09:16
